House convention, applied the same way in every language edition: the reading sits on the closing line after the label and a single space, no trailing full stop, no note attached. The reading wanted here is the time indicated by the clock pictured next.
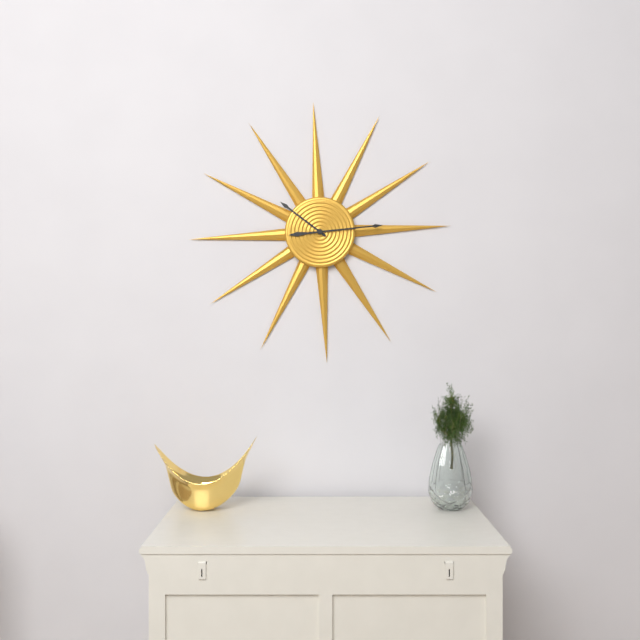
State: 10:14
